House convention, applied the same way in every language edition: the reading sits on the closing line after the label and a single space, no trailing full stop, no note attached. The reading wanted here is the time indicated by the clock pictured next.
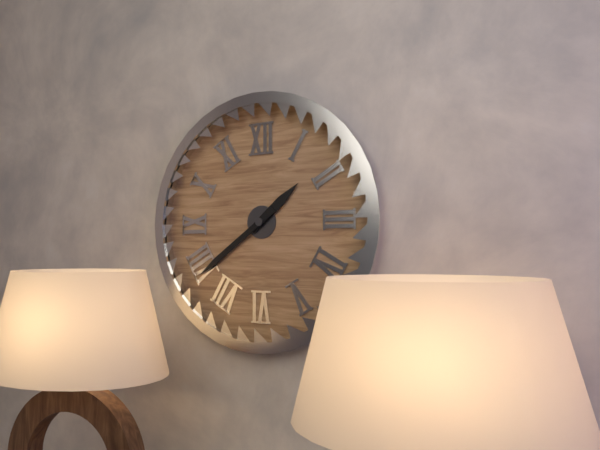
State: 1:39
